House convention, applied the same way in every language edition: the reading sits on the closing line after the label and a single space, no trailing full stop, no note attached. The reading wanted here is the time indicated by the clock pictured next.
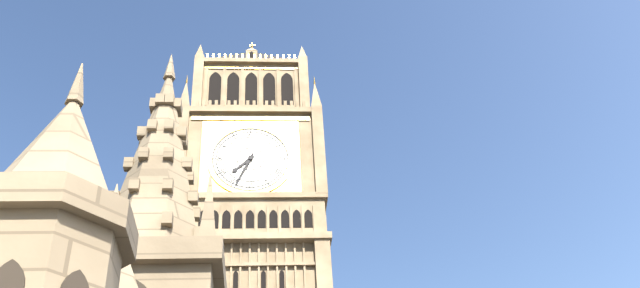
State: 7:34
